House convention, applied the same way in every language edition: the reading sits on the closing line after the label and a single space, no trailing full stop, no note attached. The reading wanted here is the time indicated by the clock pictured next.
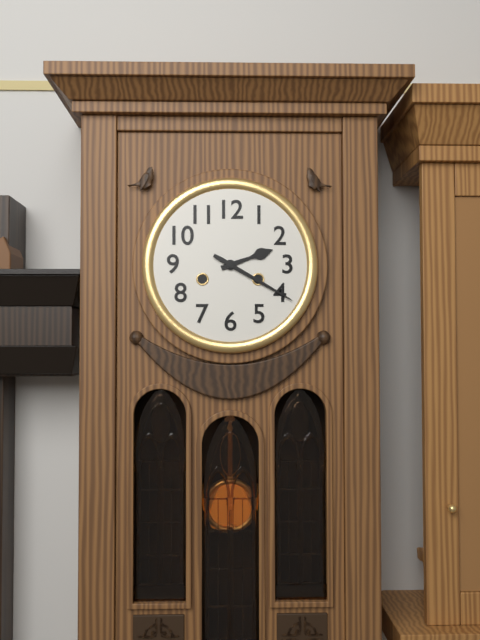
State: 2:20
